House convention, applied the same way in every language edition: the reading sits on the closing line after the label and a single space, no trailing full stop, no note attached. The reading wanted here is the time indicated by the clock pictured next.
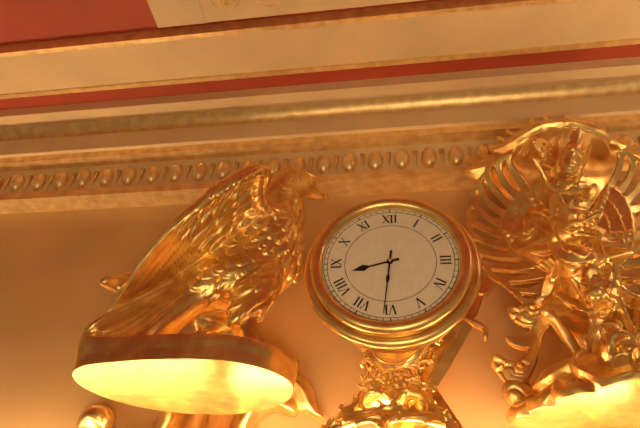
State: 8:31
